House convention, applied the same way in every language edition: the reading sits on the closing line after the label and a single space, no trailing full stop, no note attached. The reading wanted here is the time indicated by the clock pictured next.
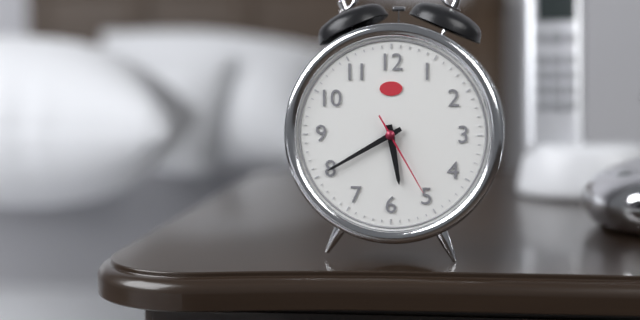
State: 5:40:25
